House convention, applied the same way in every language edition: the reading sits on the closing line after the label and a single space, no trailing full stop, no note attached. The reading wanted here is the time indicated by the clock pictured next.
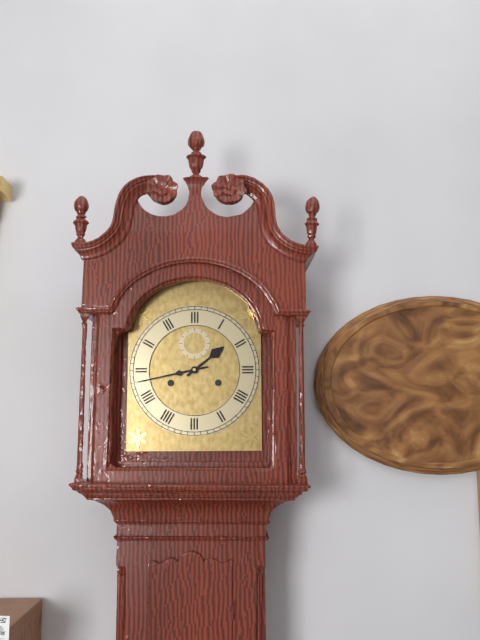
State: 1:43
